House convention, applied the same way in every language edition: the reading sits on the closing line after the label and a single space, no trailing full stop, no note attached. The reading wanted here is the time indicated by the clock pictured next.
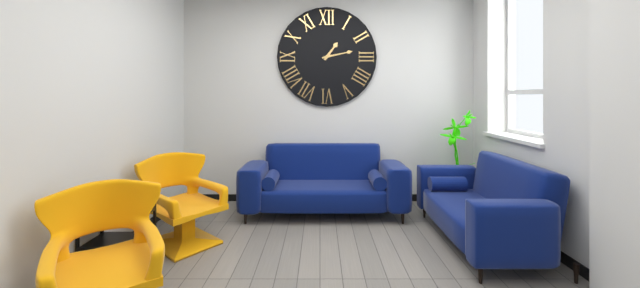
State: 1:13
